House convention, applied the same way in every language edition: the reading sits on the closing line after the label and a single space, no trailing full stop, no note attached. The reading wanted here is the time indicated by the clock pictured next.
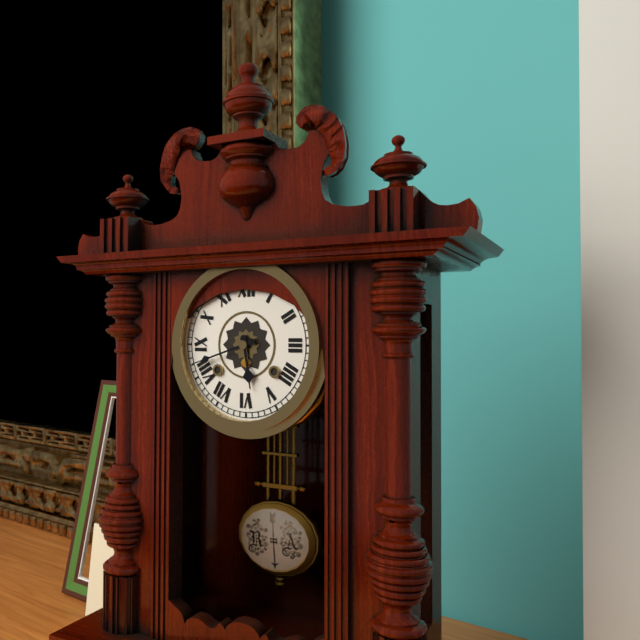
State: 5:42
